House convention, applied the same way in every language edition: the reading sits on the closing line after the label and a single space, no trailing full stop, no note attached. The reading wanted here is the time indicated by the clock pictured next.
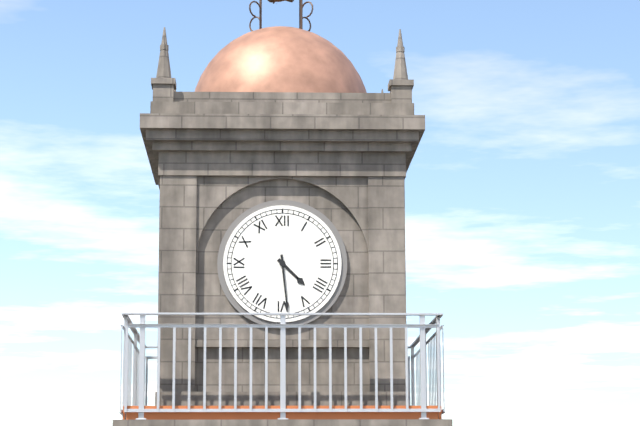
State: 4:29
